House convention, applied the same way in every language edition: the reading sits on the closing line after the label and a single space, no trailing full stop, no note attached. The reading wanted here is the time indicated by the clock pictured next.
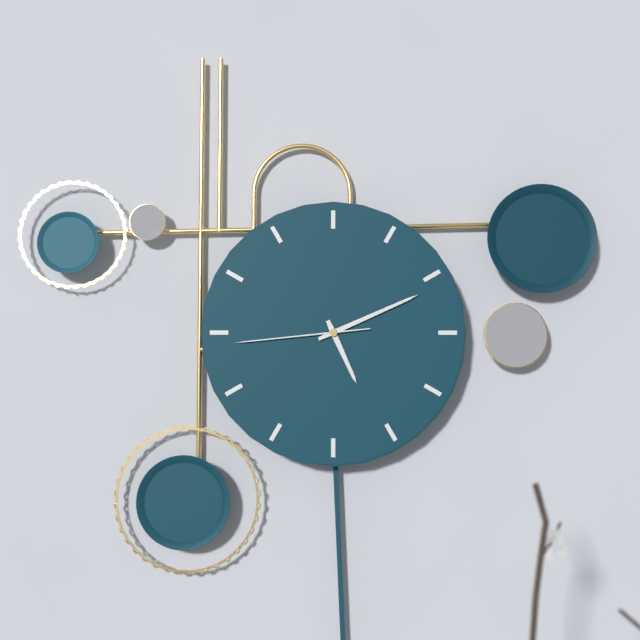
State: 5:11:44
